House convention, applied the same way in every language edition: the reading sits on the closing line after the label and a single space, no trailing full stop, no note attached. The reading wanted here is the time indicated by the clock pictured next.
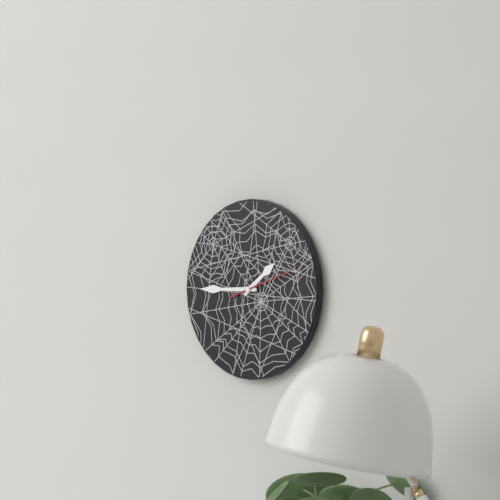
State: 1:45:12
